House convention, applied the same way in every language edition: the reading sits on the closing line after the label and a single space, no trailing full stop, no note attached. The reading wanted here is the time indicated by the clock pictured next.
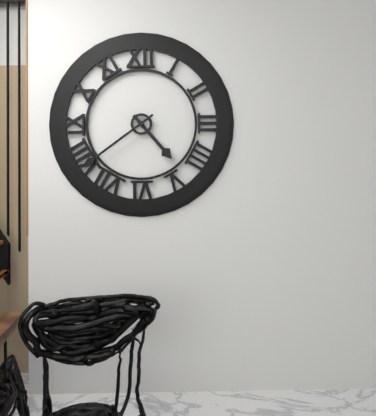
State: 4:39
